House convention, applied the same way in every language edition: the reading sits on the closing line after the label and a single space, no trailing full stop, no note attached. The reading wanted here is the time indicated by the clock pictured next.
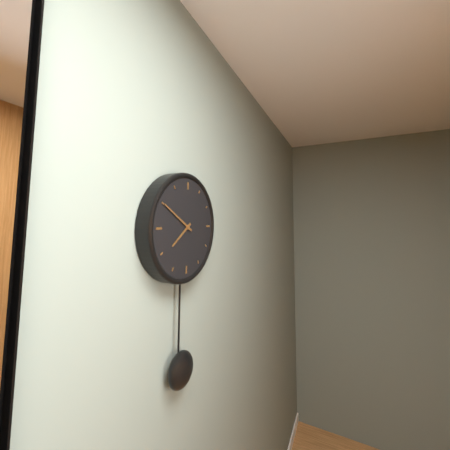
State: 7:50
